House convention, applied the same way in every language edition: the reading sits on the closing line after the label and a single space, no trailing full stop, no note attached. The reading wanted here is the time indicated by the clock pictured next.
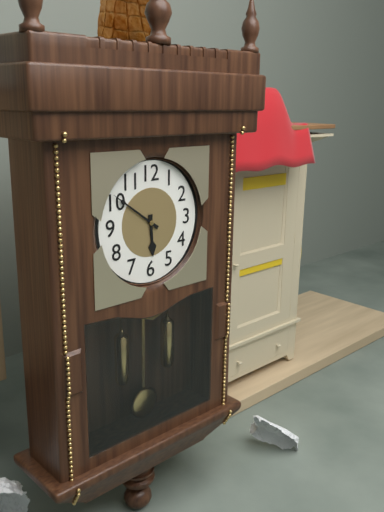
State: 5:51
